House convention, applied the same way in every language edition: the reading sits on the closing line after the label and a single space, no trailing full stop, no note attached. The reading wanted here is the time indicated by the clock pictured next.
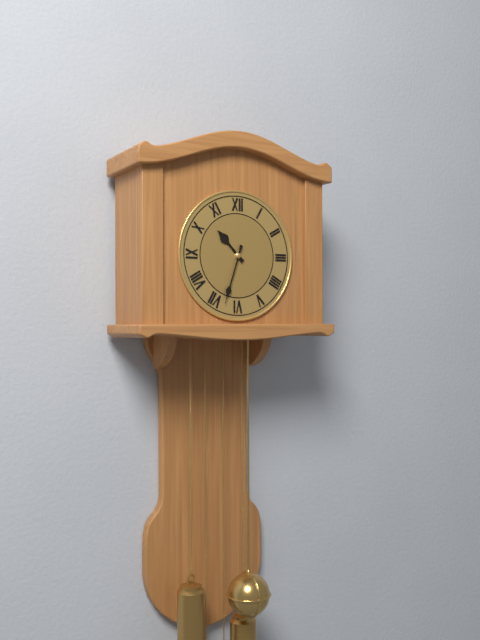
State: 10:33
